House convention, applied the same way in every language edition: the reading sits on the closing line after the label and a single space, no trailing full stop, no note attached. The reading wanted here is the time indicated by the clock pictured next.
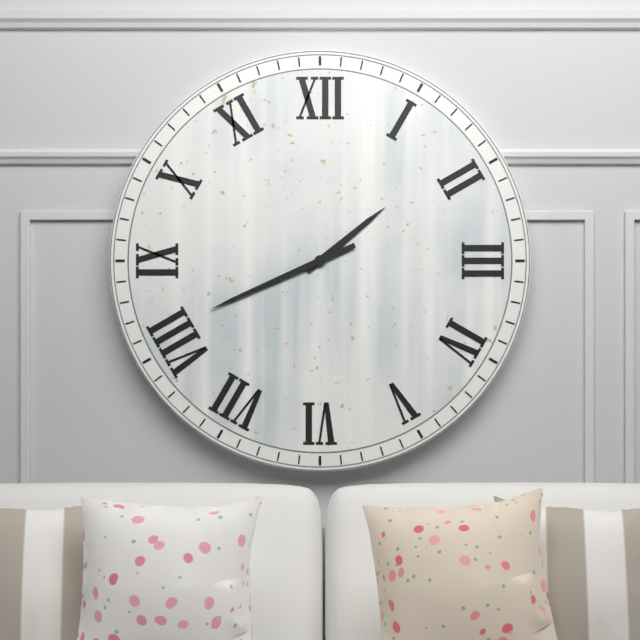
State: 1:41
